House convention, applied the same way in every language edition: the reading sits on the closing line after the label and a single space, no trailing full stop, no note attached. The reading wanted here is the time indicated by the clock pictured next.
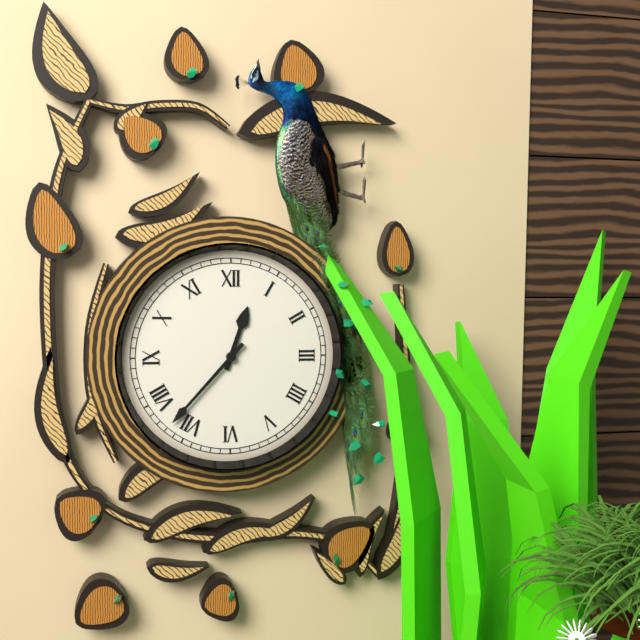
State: 12:37
